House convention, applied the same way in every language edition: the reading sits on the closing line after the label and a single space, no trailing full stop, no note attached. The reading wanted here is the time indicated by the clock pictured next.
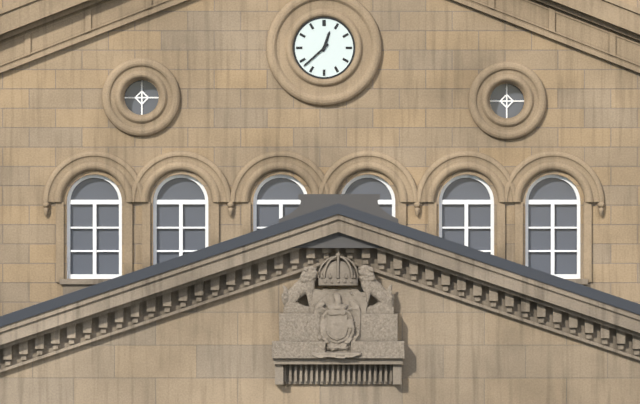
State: 12:38
